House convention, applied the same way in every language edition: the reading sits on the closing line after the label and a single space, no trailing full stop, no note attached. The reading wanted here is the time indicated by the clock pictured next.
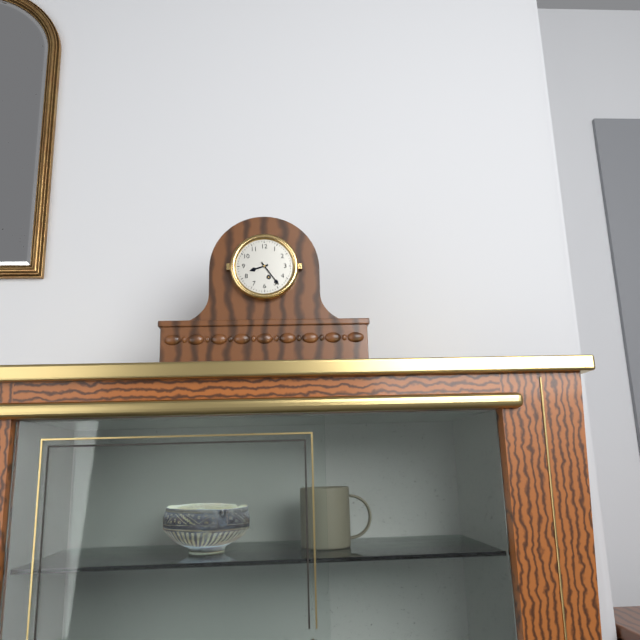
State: 8:24
